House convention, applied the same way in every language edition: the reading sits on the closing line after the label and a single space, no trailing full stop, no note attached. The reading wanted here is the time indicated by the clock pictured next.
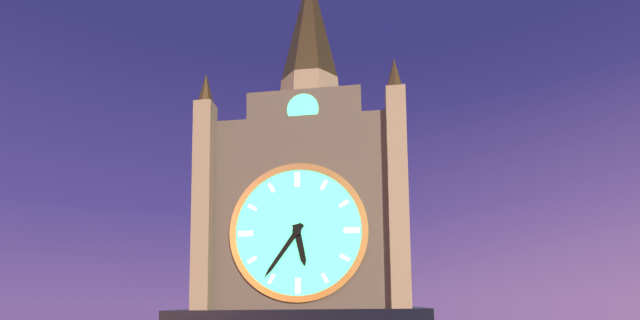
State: 5:36
